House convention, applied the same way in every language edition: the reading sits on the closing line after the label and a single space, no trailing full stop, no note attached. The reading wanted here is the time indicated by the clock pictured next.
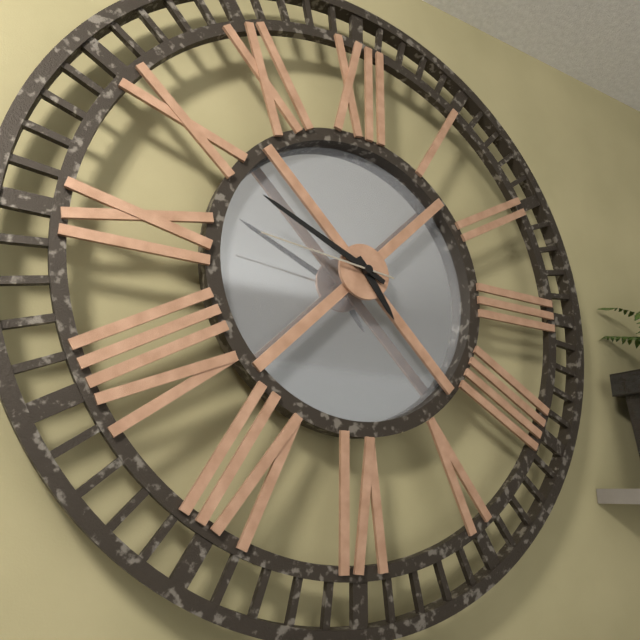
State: 4:49:46
